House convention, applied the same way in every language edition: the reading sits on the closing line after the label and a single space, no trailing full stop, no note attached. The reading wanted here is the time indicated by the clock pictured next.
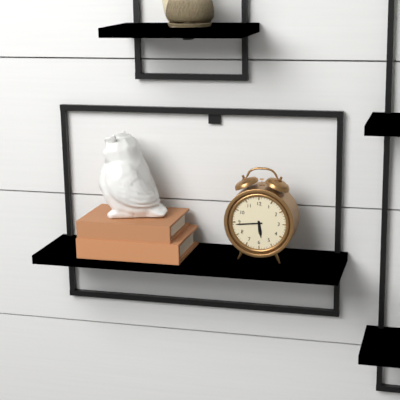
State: 5:44
